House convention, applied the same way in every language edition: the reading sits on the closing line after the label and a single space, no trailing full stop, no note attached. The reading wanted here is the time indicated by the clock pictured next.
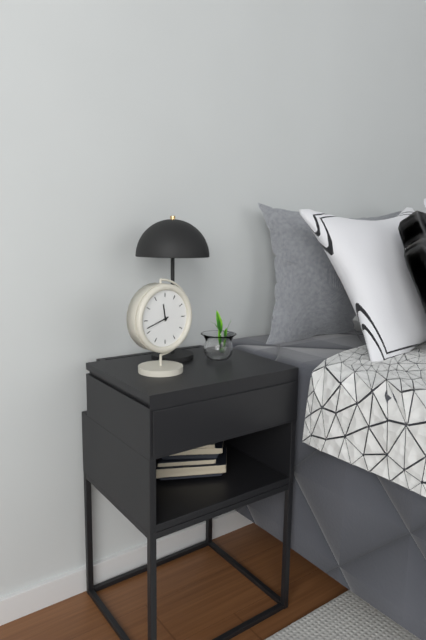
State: 11:42
